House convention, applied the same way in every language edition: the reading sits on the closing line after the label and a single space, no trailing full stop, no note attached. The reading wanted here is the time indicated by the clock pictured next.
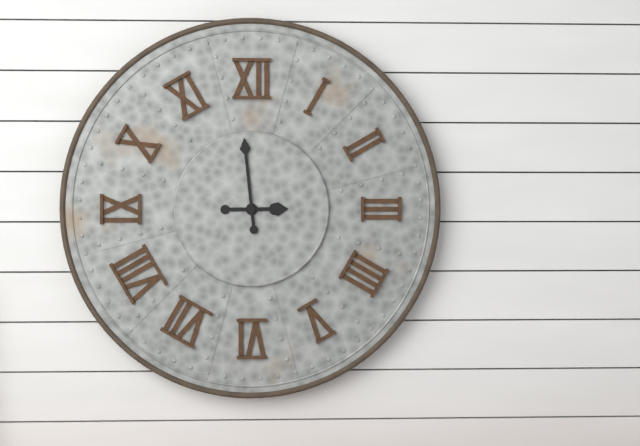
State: 2:59
